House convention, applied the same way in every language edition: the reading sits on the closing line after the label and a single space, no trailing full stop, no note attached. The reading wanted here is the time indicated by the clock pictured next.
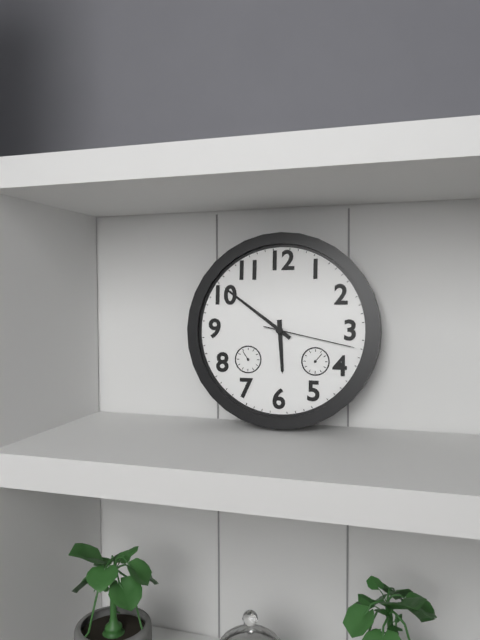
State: 5:51:17
